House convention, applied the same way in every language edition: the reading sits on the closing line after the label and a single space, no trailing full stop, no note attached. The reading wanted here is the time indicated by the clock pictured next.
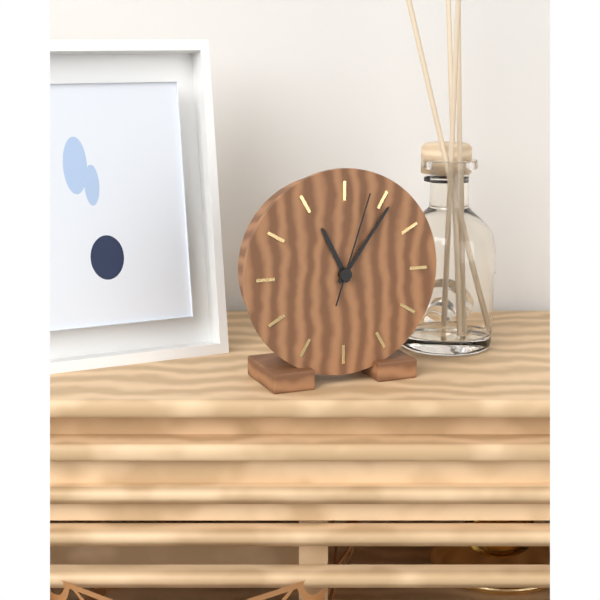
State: 11:06:03
